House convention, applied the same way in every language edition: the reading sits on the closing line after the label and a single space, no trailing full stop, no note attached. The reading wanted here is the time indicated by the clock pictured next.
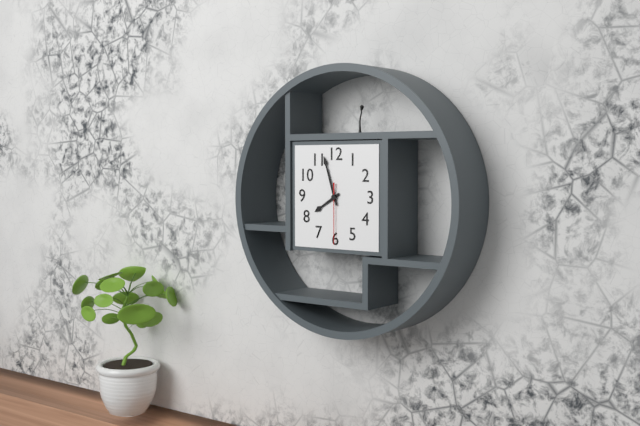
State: 7:57:30
